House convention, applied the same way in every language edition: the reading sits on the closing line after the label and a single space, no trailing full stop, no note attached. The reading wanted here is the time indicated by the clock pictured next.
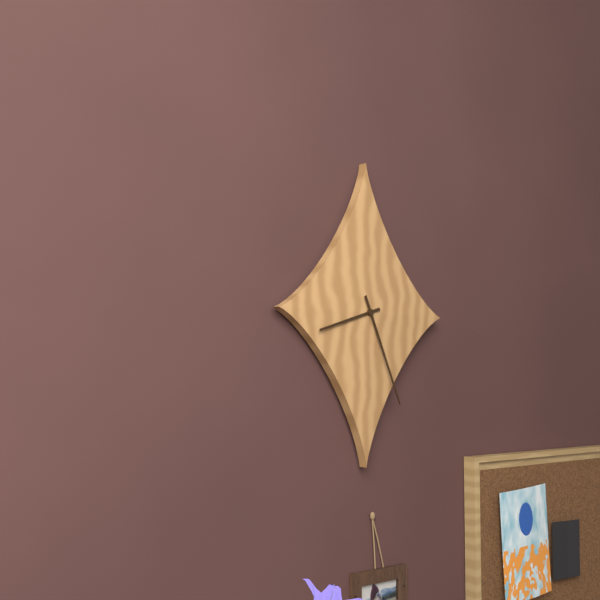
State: 8:26
